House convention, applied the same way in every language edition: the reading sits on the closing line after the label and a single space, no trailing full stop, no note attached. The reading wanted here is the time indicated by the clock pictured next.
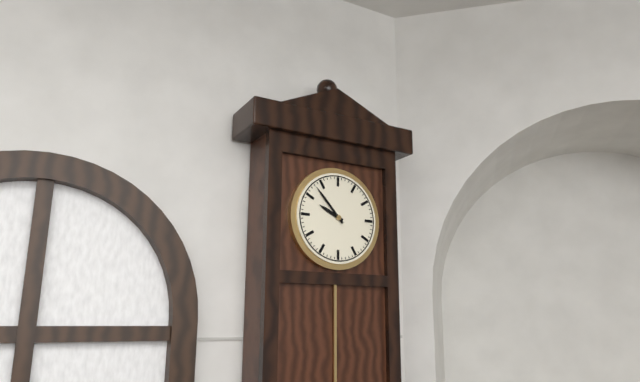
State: 9:53
